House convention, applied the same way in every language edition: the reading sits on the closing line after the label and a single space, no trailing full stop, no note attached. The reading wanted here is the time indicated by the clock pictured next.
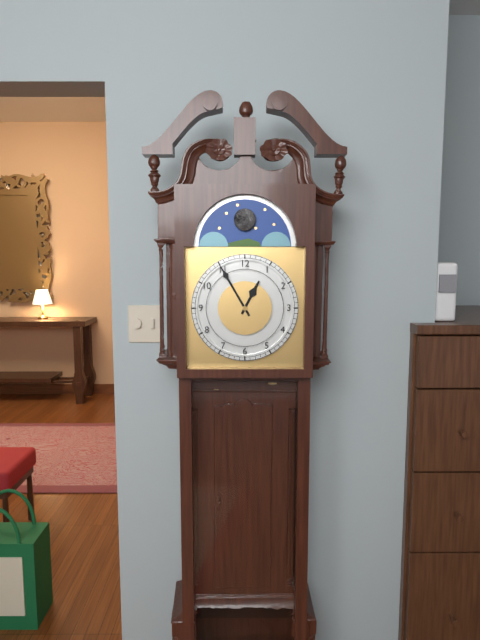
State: 12:55
